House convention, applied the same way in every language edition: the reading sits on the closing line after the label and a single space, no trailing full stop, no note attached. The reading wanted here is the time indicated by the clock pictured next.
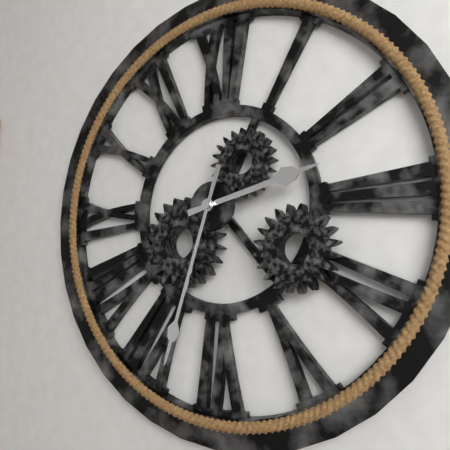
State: 2:33
